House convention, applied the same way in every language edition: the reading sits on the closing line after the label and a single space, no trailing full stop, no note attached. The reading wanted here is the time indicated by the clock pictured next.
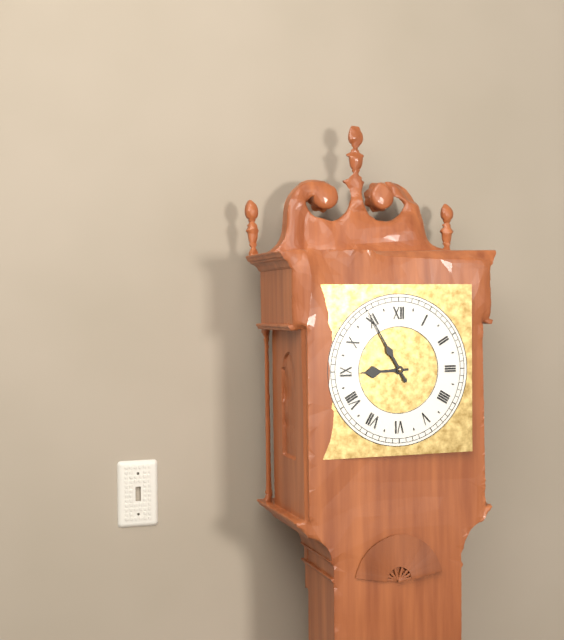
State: 8:55
